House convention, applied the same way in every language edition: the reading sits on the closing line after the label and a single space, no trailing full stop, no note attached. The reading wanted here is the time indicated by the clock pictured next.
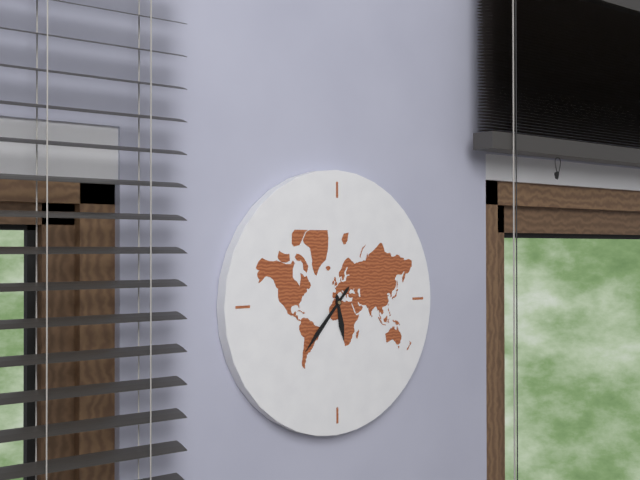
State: 5:37
